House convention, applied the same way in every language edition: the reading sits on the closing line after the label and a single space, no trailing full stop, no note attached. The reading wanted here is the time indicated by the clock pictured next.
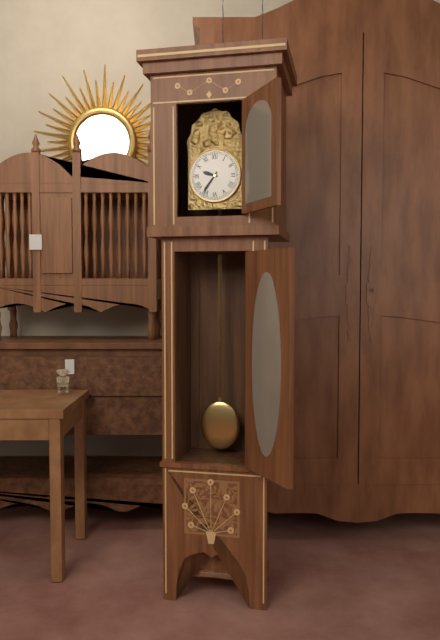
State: 9:36
